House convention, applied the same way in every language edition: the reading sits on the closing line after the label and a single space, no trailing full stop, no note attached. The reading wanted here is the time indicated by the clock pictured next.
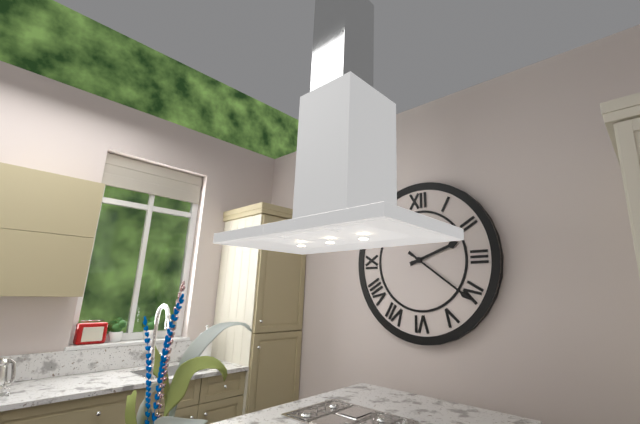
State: 2:21
